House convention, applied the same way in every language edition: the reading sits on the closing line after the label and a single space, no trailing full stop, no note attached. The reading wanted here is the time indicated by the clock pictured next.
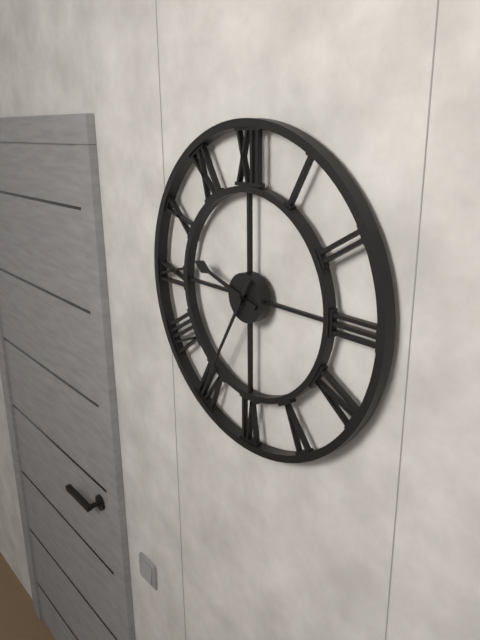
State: 9:35
